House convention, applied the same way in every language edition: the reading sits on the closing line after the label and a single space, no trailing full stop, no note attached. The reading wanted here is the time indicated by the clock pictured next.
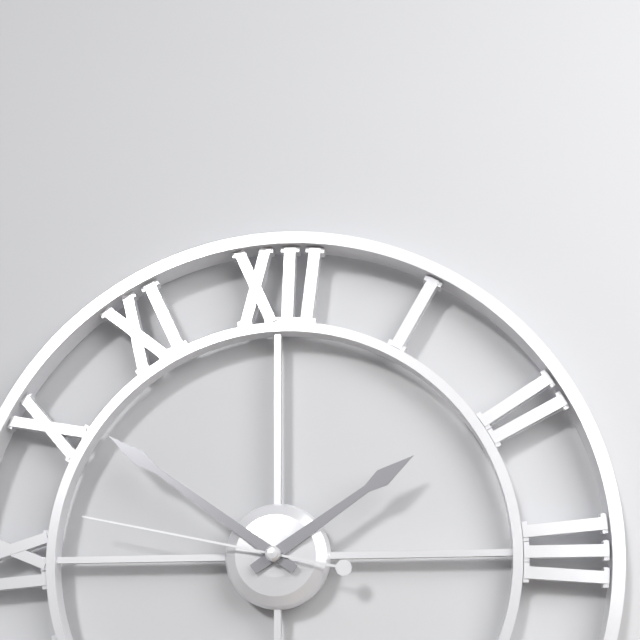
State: 1:51:47
